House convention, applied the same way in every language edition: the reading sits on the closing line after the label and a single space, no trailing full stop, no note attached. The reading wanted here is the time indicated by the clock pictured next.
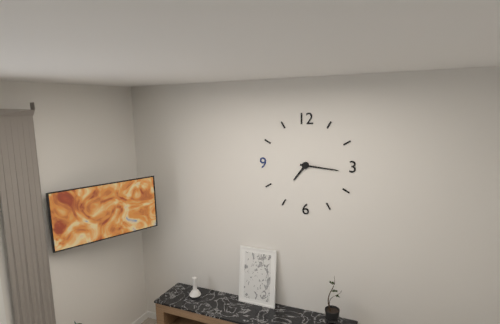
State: 7:16
